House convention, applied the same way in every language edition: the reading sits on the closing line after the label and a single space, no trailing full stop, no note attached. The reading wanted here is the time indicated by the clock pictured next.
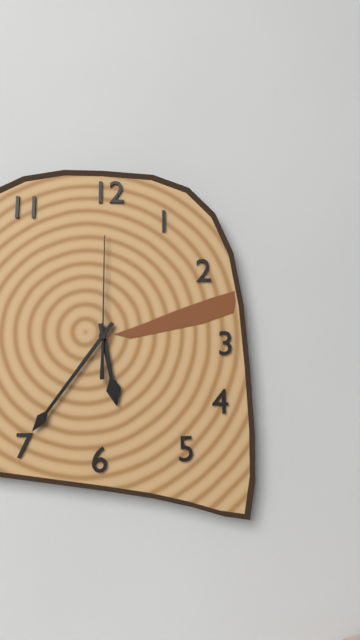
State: 5:36:00
